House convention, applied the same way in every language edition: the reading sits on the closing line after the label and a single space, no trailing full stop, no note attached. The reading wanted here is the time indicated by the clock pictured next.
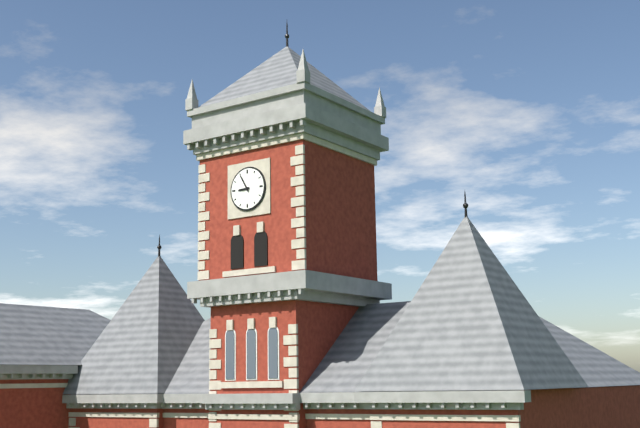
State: 8:55
